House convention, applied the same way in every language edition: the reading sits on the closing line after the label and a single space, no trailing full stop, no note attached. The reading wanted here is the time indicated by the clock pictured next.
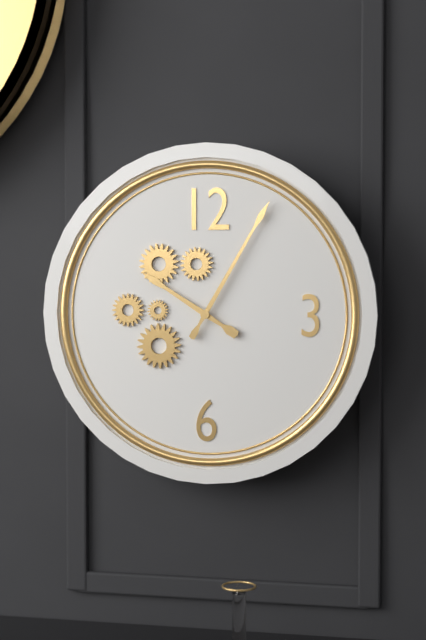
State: 10:05
